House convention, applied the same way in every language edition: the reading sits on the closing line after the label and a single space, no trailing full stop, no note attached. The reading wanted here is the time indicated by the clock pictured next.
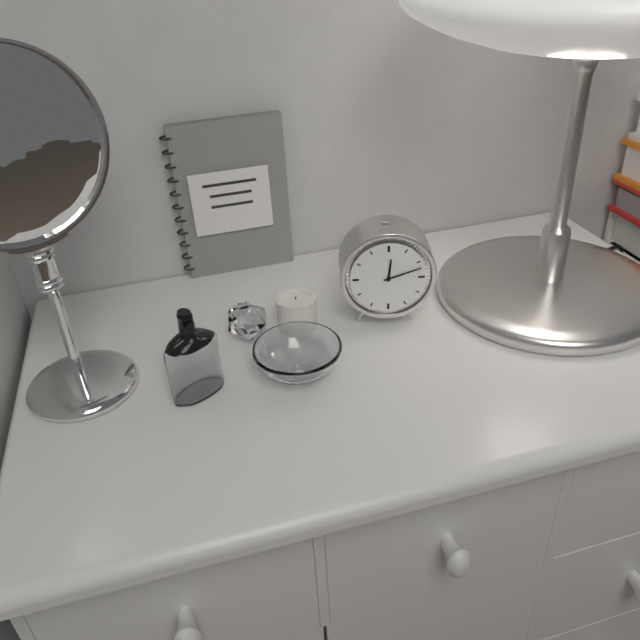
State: 12:12
